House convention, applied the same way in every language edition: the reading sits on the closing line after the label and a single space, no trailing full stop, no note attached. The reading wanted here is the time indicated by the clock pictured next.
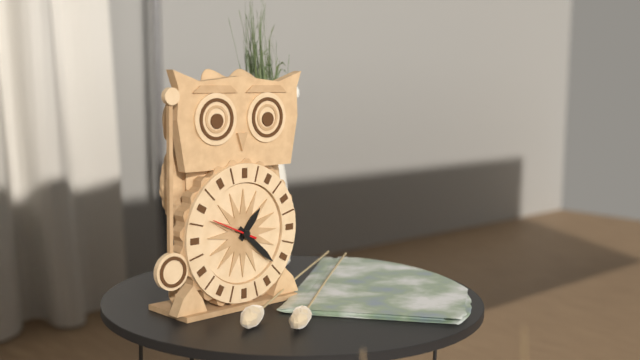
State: 1:22
